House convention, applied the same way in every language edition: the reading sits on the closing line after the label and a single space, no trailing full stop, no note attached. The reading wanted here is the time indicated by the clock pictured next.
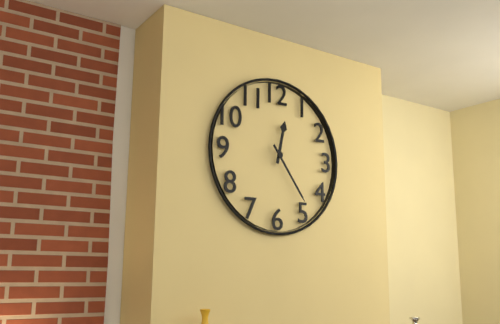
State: 12:24
